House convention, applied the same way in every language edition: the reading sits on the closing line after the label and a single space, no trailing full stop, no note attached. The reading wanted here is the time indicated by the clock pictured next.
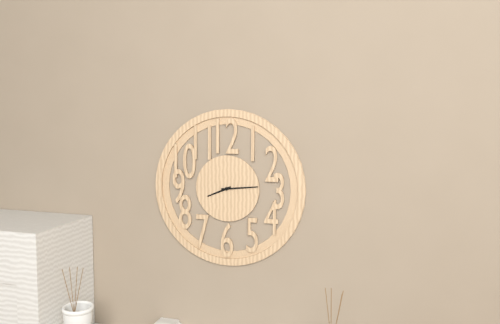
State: 8:14
